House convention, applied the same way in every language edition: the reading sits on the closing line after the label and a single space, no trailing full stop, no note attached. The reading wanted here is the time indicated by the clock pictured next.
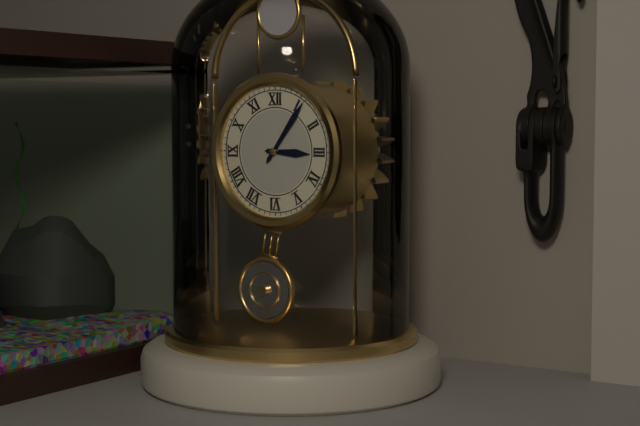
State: 3:06
